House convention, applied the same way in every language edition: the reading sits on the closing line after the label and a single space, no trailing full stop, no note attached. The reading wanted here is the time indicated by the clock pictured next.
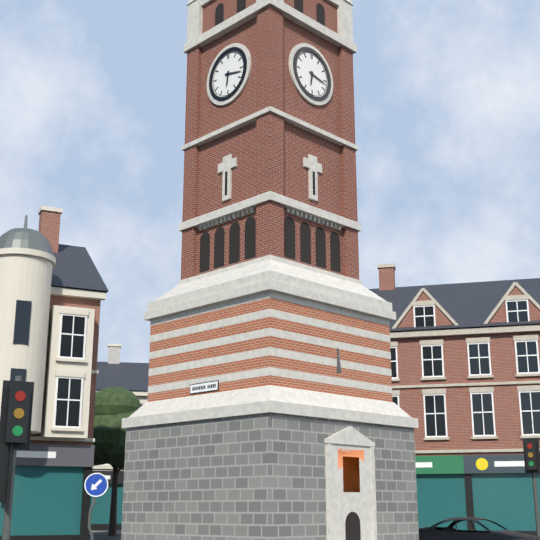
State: 6:17
